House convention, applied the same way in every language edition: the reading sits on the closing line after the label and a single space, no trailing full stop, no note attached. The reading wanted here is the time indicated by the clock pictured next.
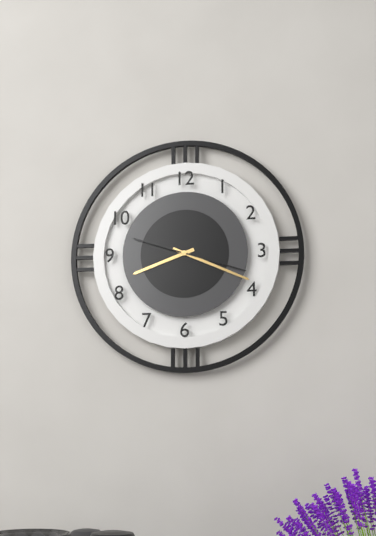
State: 8:19:18
